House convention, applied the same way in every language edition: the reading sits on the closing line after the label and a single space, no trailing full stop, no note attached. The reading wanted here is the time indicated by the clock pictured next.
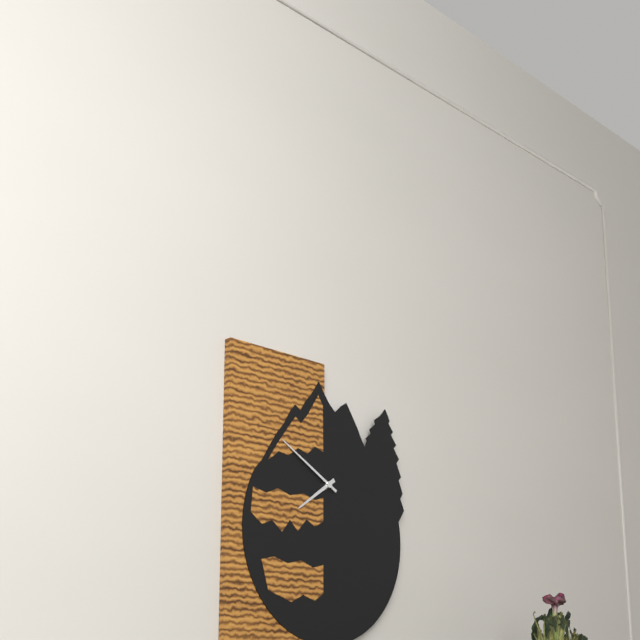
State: 7:50
